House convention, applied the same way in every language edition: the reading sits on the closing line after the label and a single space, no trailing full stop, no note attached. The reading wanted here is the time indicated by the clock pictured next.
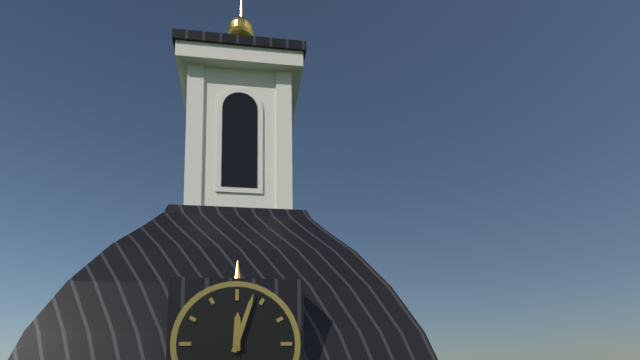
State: 12:03
